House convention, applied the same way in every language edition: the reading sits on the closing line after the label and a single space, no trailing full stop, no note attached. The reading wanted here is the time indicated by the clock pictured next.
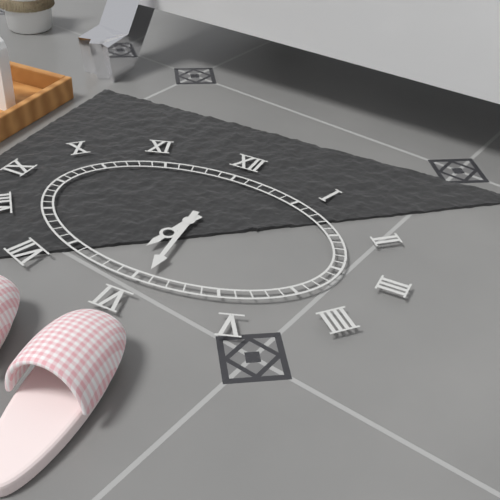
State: 6:29
